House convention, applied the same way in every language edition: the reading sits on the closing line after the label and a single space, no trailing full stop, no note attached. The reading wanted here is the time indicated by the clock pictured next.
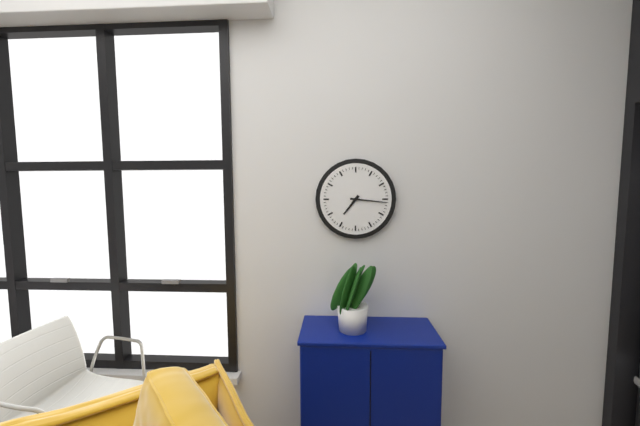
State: 7:16
